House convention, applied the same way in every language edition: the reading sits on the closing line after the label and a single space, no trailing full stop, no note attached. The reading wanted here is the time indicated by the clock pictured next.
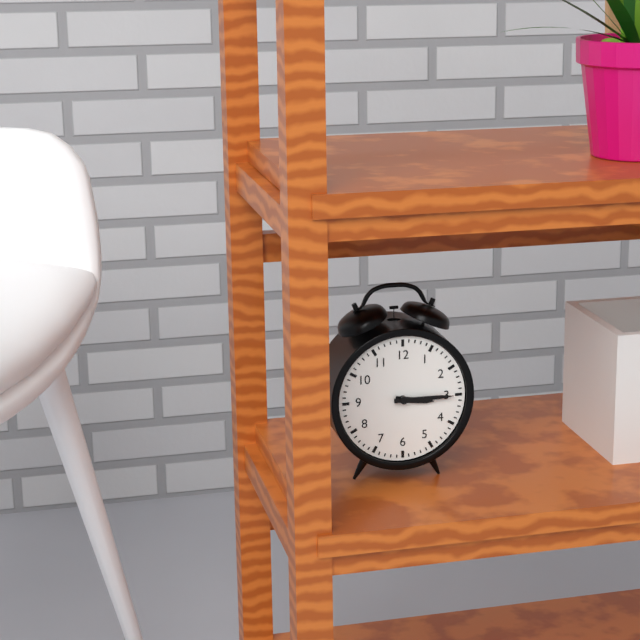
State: 3:15
